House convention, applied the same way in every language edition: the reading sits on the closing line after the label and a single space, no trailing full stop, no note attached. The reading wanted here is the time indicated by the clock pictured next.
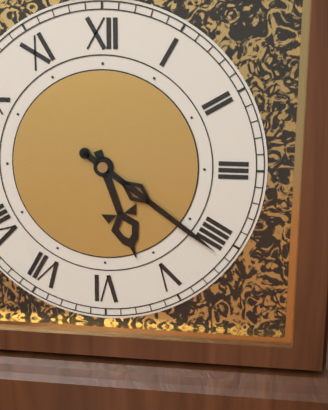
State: 5:21
